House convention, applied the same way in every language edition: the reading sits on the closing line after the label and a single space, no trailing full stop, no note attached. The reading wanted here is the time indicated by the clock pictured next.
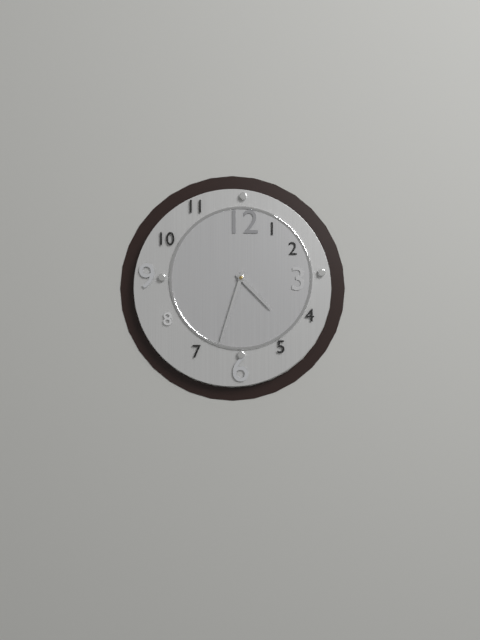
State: 4:33
